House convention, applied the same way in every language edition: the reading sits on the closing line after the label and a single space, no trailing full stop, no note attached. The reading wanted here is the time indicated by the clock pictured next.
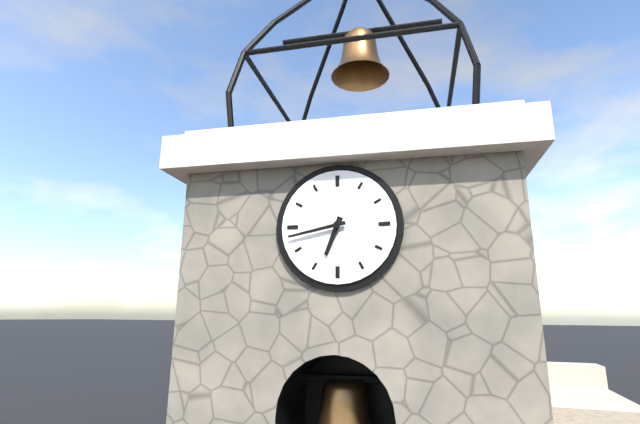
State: 6:43
